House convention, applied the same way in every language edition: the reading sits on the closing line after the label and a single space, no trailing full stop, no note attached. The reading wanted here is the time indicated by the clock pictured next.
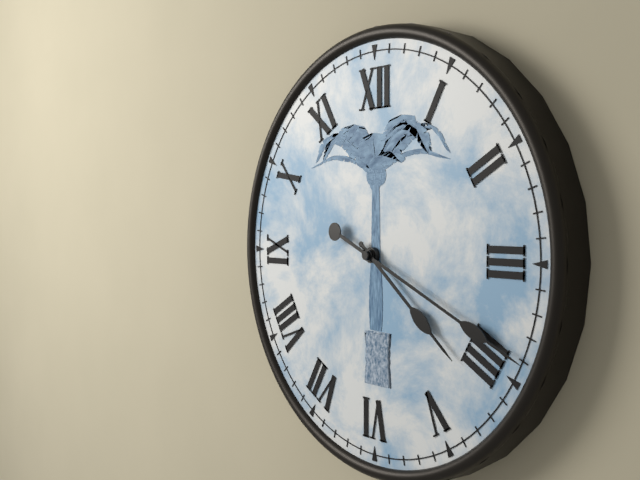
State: 4:19
